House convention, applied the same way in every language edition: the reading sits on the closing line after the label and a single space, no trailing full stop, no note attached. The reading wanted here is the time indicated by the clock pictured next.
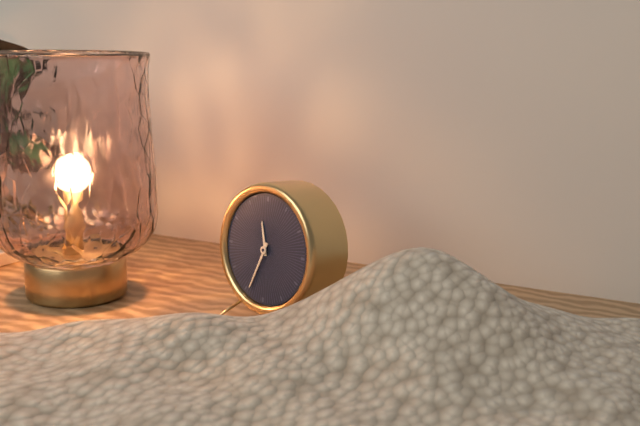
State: 11:34
